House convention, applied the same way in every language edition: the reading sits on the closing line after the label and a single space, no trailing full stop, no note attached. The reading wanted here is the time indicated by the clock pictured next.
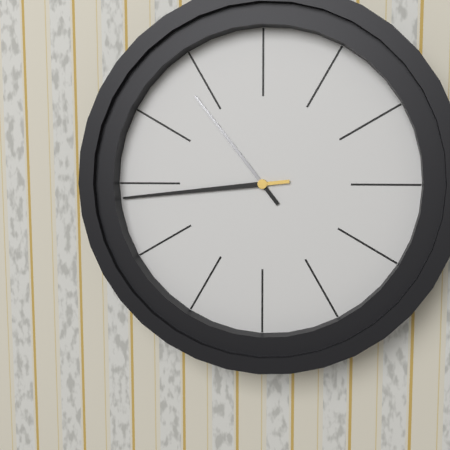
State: 10:44
